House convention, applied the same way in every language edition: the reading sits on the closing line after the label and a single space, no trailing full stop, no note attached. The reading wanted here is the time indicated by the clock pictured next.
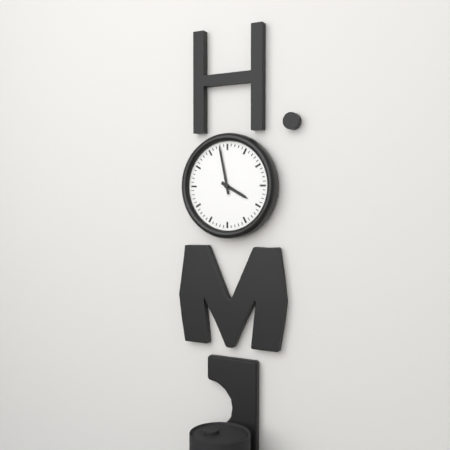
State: 3:58
